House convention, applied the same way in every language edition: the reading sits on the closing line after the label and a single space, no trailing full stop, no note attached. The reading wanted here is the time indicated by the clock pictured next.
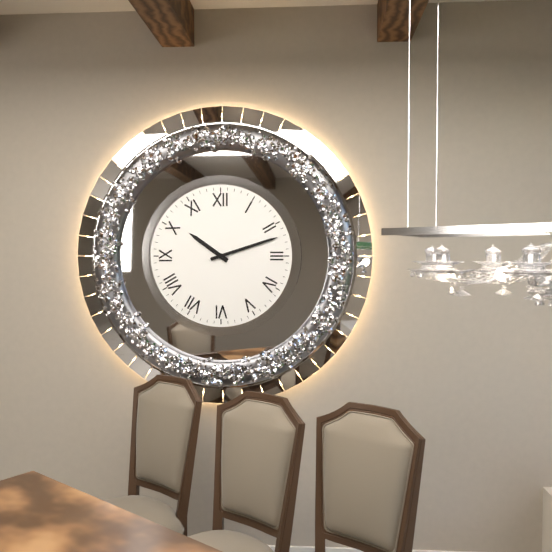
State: 10:12
